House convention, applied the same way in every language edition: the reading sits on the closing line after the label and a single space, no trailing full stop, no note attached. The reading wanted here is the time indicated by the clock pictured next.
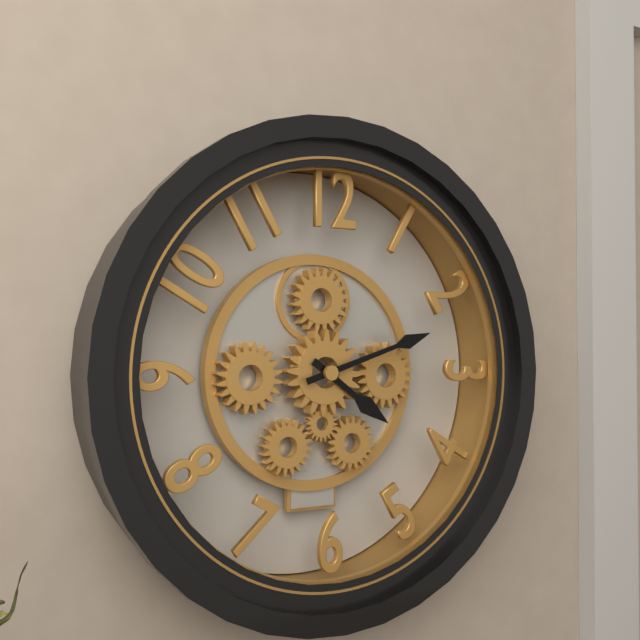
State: 4:12
